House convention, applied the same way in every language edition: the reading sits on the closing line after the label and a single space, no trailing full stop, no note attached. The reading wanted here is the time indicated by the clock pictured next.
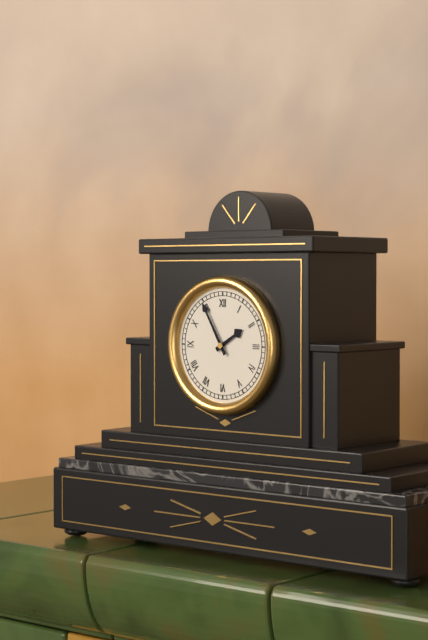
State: 1:55
